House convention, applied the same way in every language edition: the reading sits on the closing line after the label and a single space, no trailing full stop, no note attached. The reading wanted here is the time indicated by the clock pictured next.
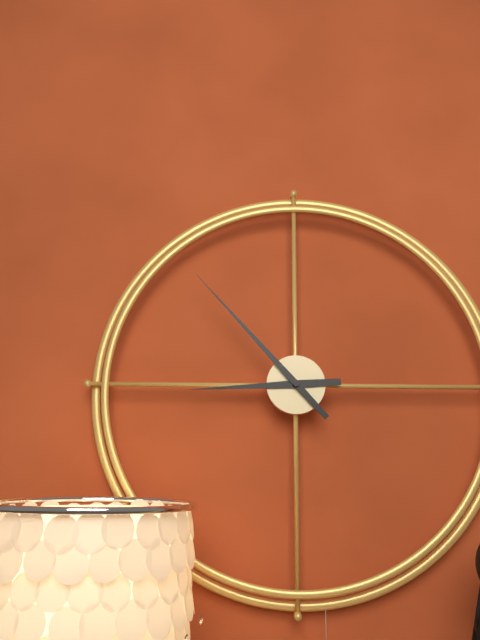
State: 8:53
